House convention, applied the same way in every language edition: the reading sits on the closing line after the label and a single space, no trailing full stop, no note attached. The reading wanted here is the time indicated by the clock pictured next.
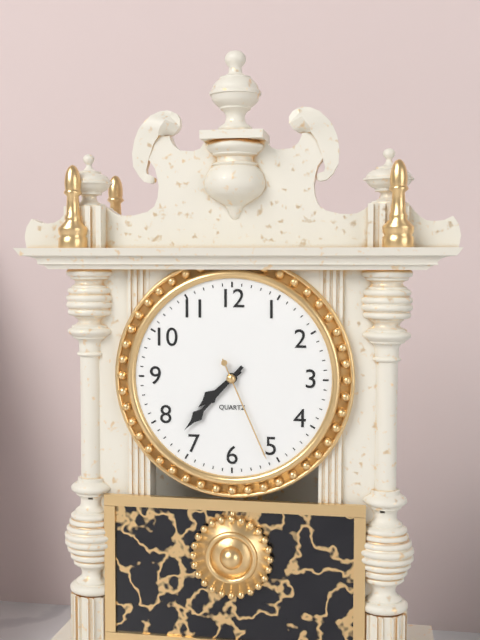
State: 7:37:26
